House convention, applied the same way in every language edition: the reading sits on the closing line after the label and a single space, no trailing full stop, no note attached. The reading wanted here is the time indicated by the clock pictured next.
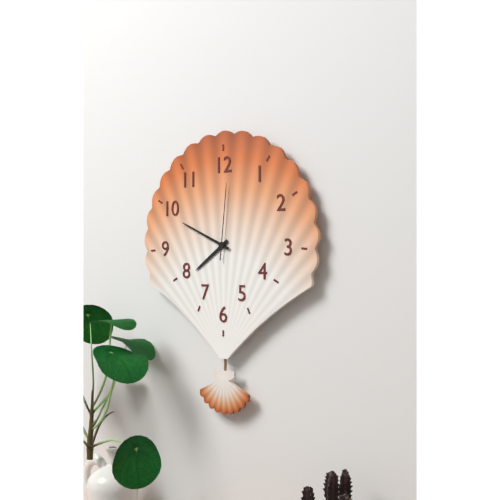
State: 7:49:01
